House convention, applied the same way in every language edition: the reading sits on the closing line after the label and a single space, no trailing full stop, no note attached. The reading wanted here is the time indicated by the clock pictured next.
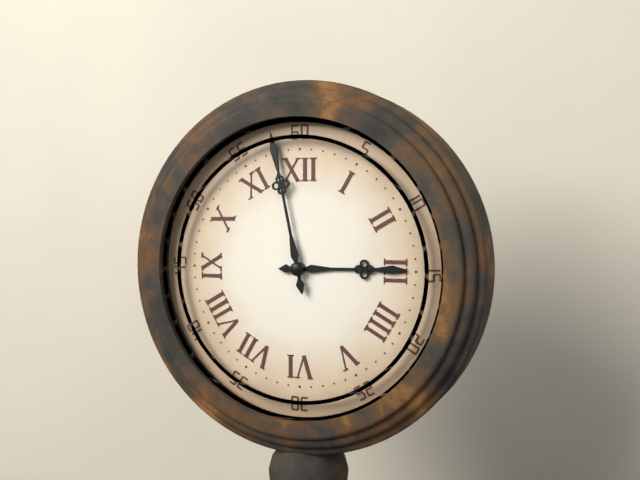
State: 2:58
